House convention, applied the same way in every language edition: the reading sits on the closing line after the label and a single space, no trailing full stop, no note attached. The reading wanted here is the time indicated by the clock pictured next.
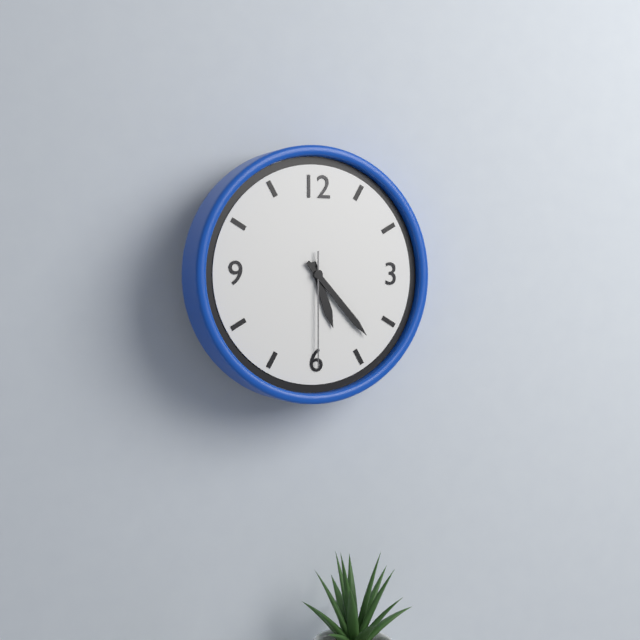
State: 5:23:30
